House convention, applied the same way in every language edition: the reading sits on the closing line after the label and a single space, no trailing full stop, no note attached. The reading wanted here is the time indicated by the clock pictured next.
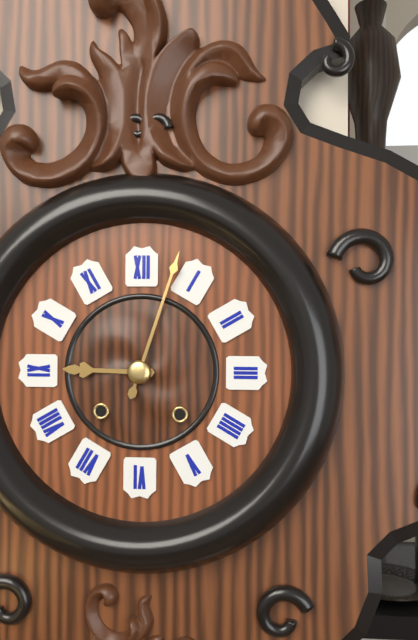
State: 9:03
